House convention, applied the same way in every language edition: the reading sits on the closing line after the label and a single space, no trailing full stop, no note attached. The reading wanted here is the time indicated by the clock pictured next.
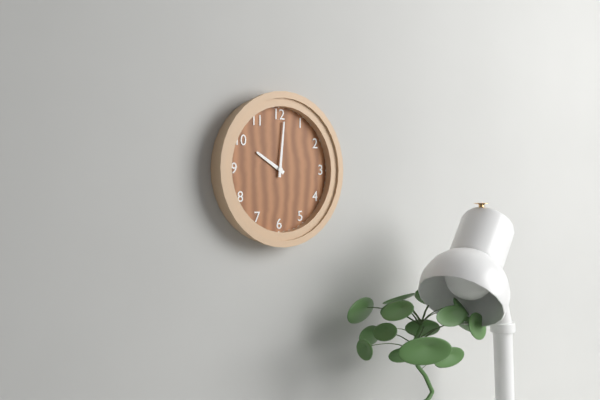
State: 10:01
